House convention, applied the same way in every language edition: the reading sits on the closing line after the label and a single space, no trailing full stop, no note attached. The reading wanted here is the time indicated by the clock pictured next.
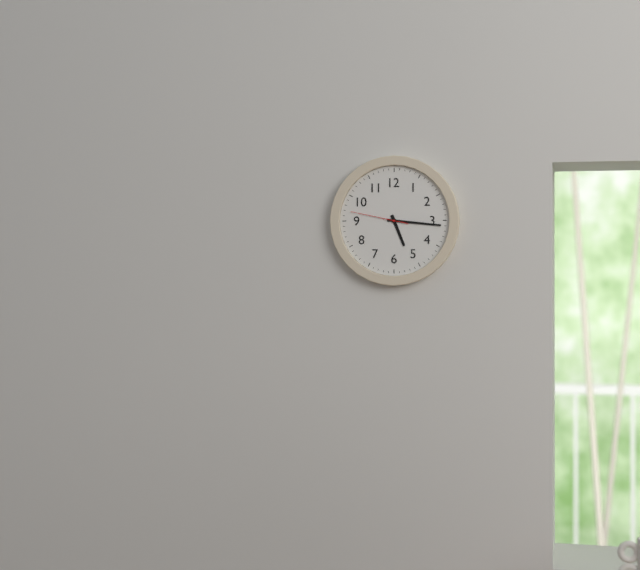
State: 5:16:47
